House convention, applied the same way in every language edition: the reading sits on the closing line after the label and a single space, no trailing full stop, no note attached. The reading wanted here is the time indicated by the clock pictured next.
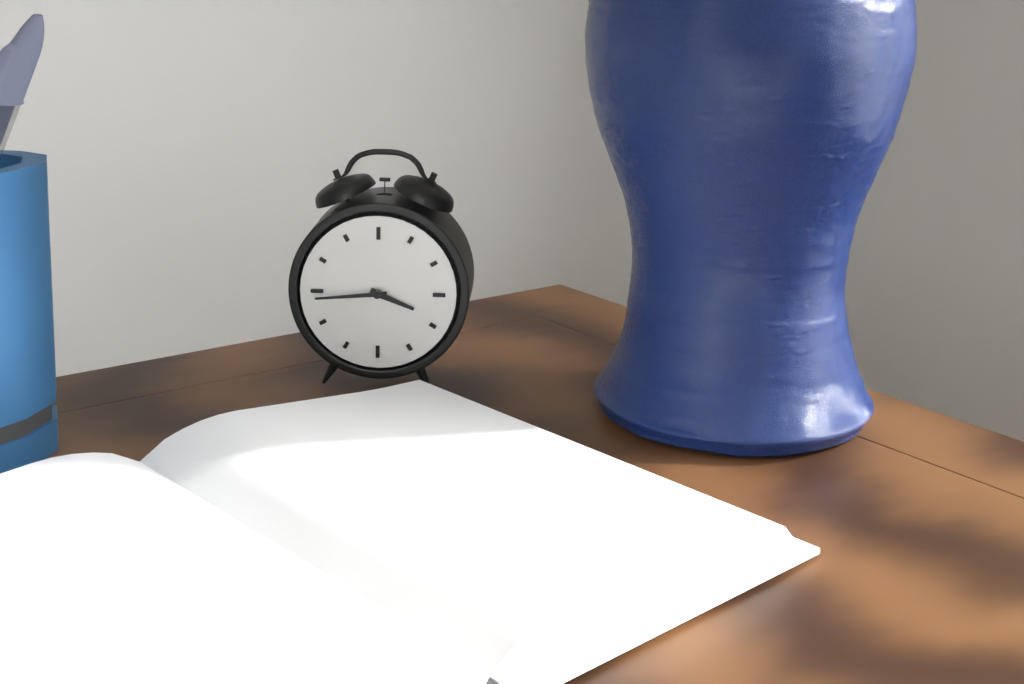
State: 3:44
